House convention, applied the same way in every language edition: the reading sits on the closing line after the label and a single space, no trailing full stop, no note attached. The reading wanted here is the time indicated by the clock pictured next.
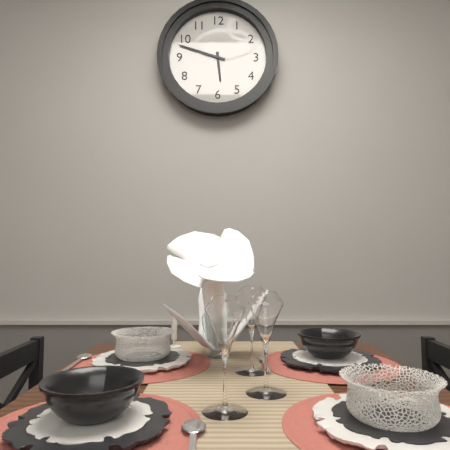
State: 5:48
